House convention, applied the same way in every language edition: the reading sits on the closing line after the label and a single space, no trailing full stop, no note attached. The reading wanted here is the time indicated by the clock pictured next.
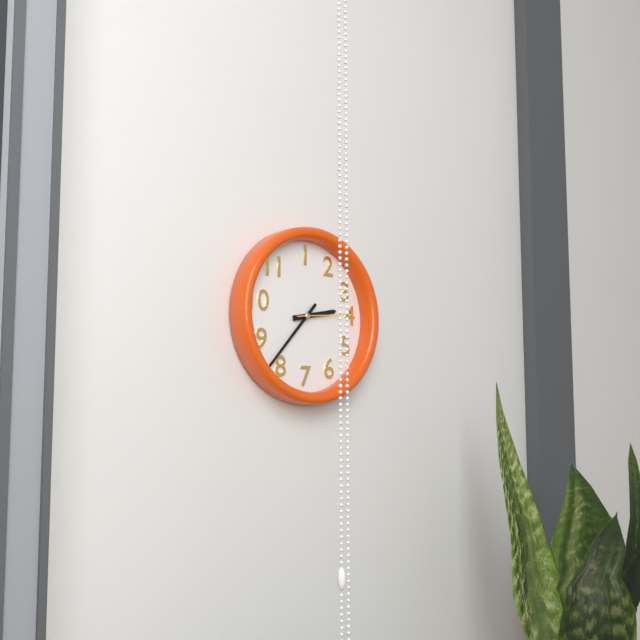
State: 2:37:14
